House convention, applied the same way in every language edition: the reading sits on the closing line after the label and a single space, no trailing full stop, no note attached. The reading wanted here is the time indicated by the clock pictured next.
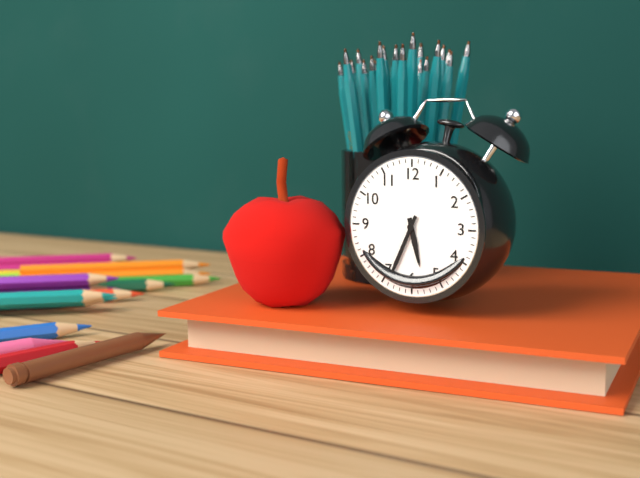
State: 5:34
